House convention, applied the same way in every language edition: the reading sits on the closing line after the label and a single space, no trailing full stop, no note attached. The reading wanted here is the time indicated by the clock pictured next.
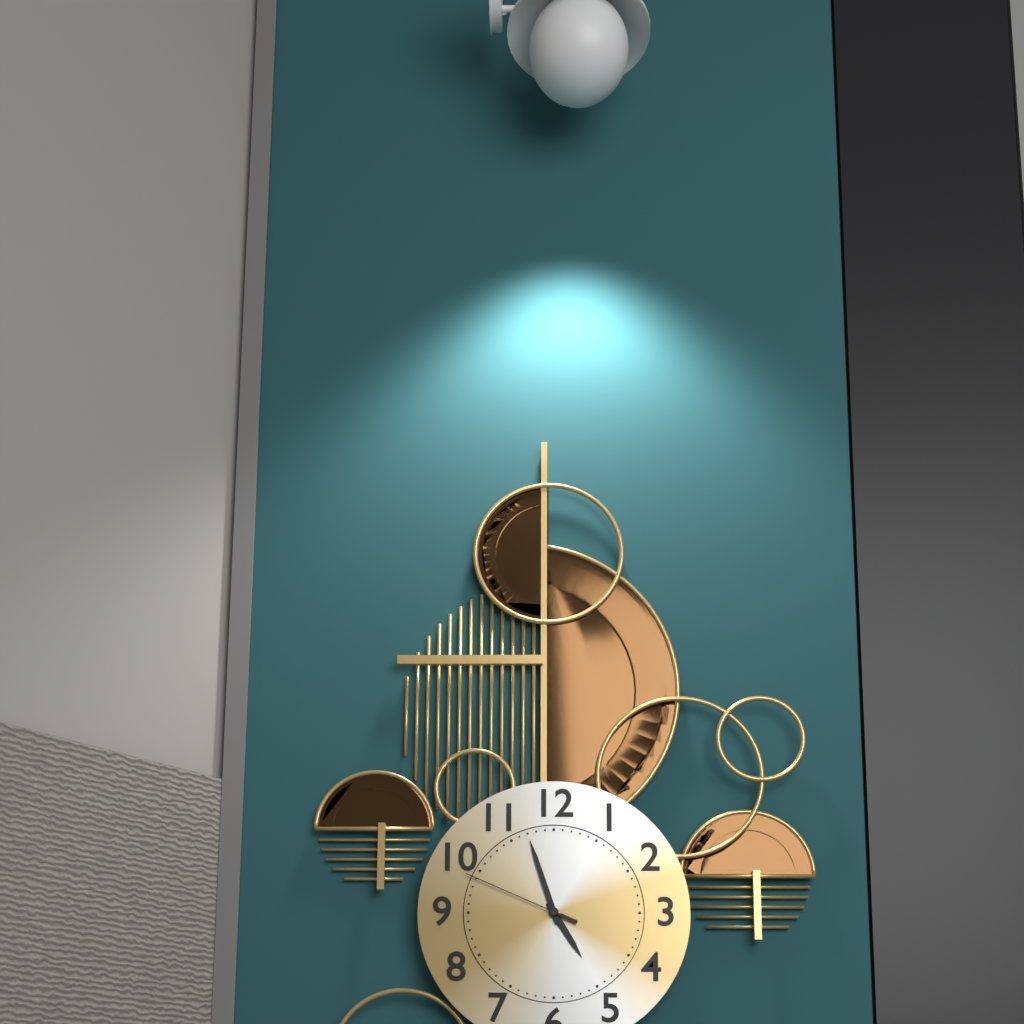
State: 4:57:49
